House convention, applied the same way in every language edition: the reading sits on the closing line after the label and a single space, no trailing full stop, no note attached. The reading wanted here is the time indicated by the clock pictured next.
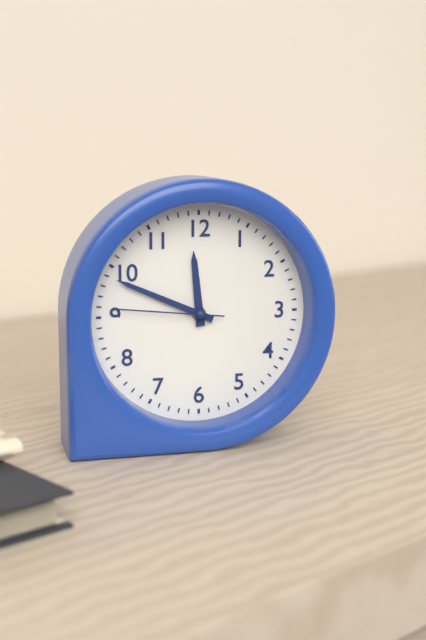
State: 11:49:46
